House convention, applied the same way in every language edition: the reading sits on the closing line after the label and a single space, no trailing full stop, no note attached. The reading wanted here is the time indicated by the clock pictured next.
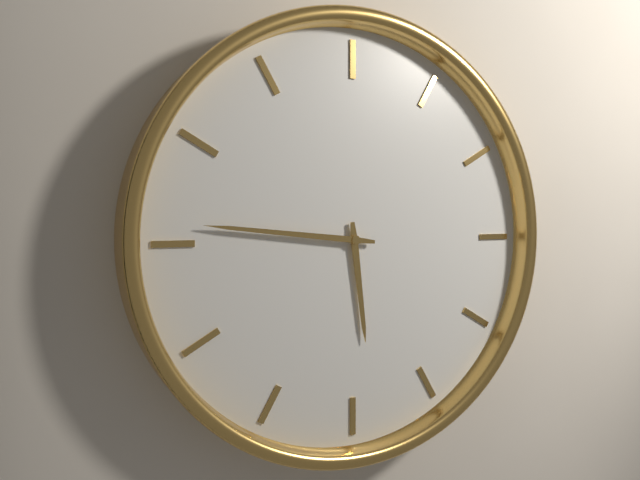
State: 5:46
